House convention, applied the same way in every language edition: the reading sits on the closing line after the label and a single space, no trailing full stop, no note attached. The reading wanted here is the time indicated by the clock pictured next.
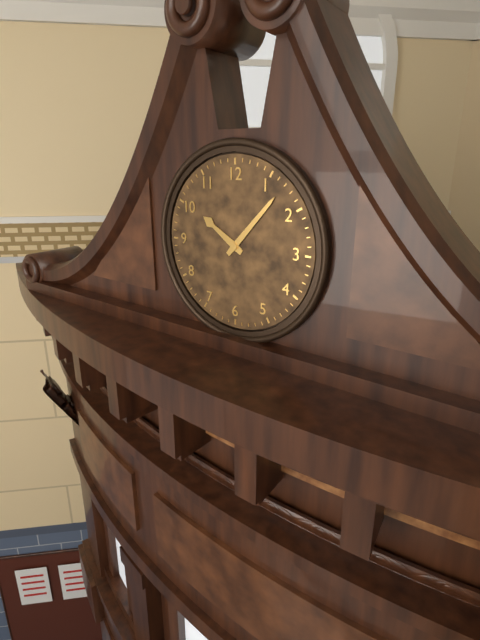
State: 10:07
